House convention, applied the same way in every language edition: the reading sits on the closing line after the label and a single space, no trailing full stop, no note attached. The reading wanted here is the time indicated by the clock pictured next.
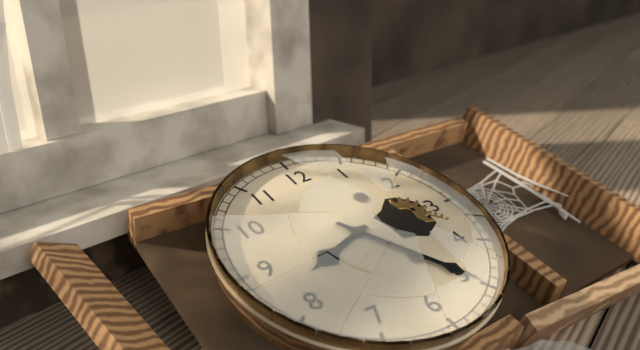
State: 8:25
